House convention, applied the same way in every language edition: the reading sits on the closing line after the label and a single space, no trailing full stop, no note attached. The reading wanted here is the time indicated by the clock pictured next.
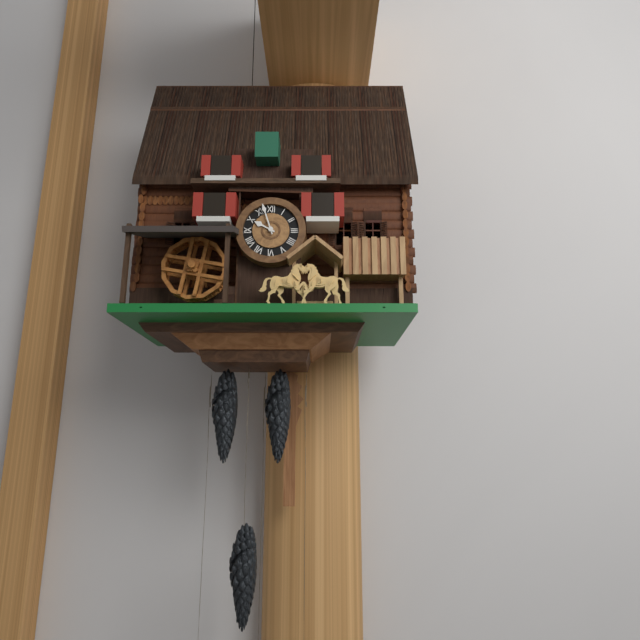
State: 9:57
